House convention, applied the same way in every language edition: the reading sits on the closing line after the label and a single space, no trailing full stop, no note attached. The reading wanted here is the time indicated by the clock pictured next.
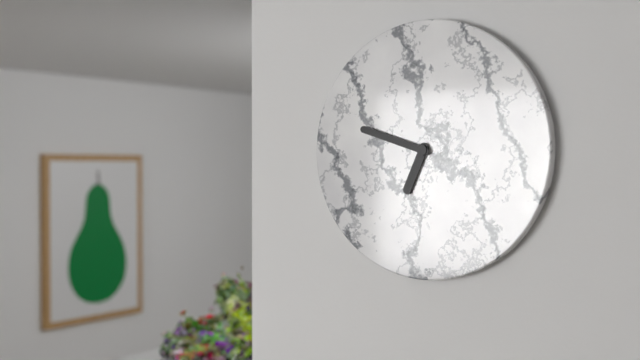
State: 6:48
